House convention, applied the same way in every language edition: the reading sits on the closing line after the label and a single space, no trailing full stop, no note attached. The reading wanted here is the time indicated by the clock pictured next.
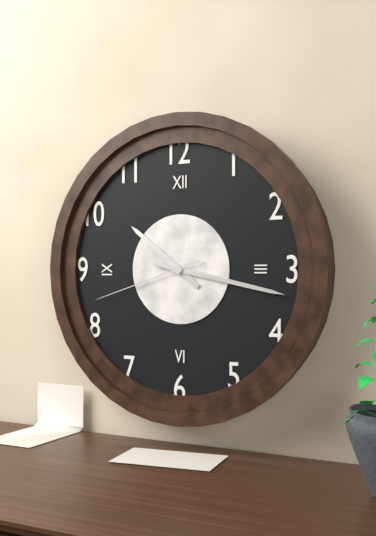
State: 10:17:42
